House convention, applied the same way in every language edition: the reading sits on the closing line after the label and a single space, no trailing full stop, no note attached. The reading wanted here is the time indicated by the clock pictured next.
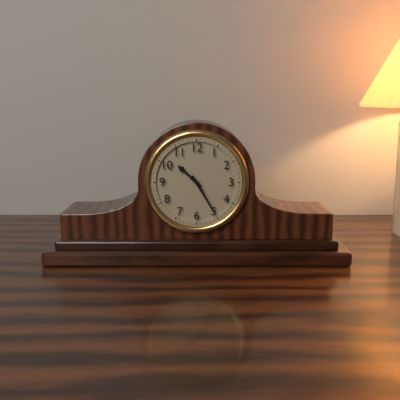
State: 10:25
